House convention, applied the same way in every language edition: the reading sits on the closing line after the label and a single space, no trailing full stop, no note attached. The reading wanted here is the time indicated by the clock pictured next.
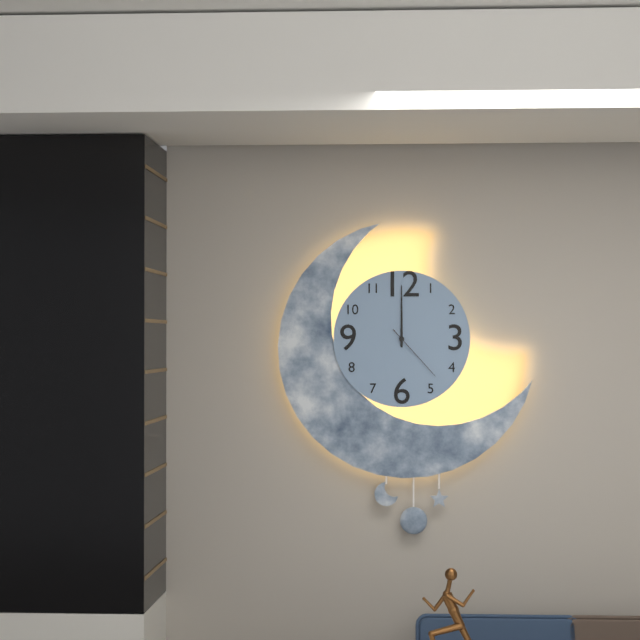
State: 12:00:23
